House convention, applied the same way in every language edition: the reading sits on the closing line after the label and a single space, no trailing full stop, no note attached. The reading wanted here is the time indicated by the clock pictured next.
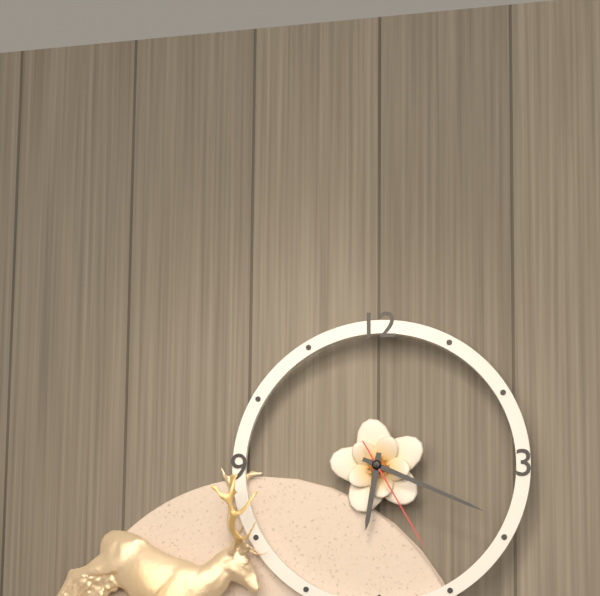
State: 6:19:25
